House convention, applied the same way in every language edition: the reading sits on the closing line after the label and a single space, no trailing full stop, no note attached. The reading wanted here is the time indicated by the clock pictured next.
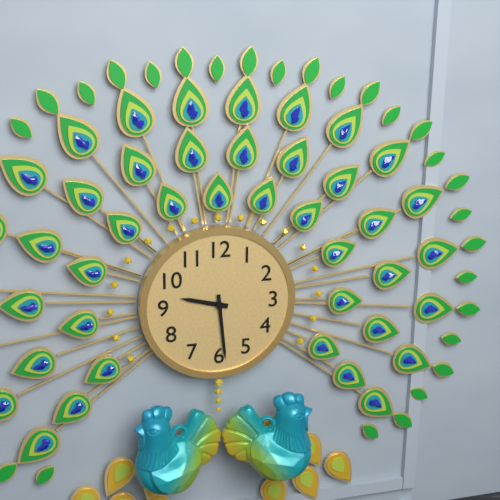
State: 9:29
